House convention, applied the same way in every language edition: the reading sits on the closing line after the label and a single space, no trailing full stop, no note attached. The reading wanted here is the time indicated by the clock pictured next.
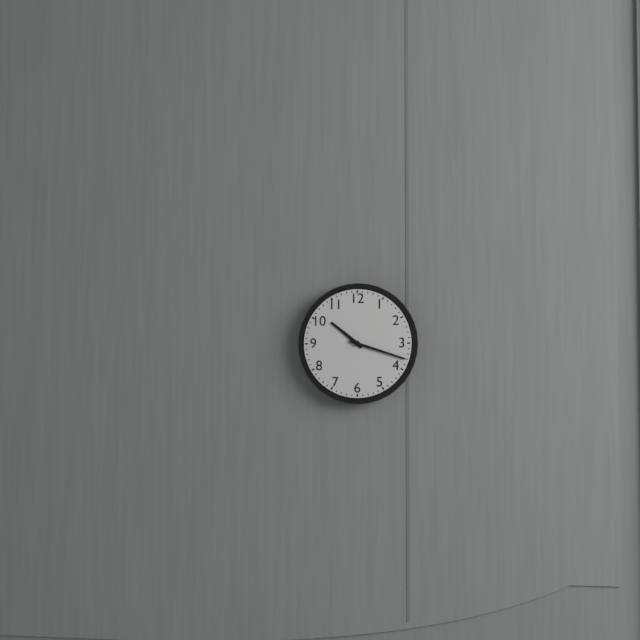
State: 10:18
